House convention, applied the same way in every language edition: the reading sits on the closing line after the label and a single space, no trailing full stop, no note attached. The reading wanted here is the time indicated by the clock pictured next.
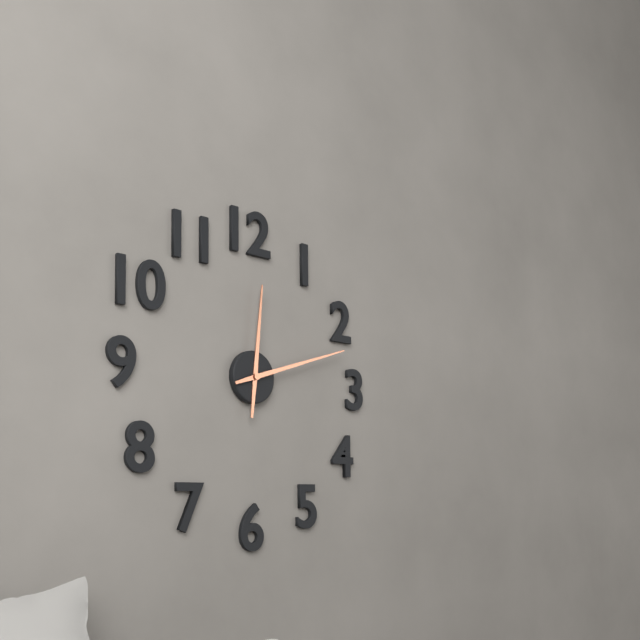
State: 12:12
